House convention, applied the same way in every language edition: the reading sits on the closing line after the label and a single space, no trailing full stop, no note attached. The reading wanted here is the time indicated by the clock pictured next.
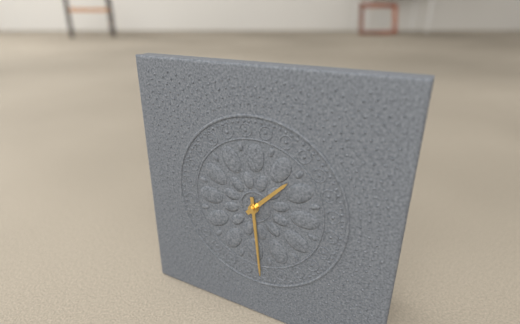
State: 1:29
